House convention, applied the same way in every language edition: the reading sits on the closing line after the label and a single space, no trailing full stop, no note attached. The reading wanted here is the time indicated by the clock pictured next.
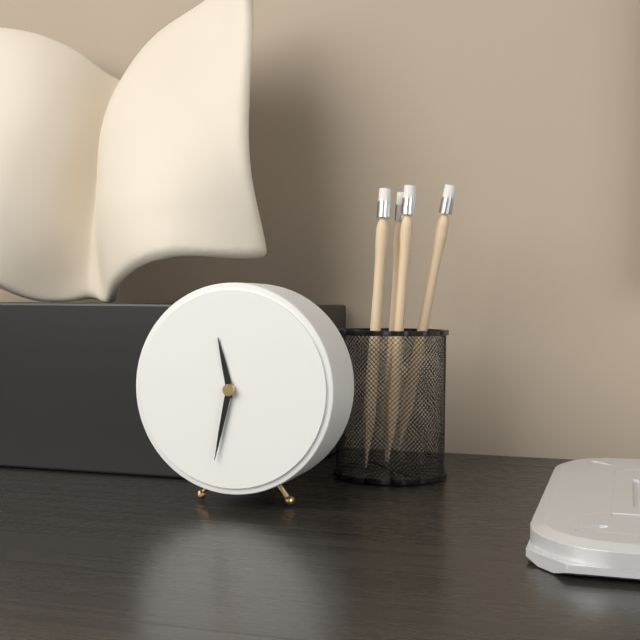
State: 11:32
